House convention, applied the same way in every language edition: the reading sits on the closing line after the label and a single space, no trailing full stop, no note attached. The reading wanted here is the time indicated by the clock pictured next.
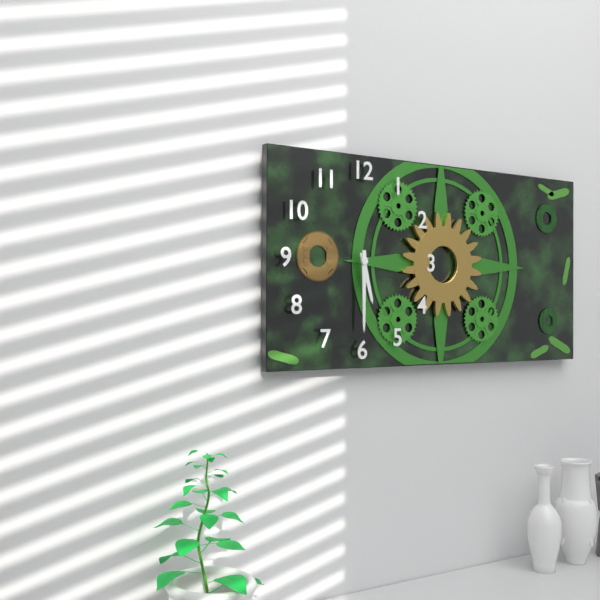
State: 5:30
